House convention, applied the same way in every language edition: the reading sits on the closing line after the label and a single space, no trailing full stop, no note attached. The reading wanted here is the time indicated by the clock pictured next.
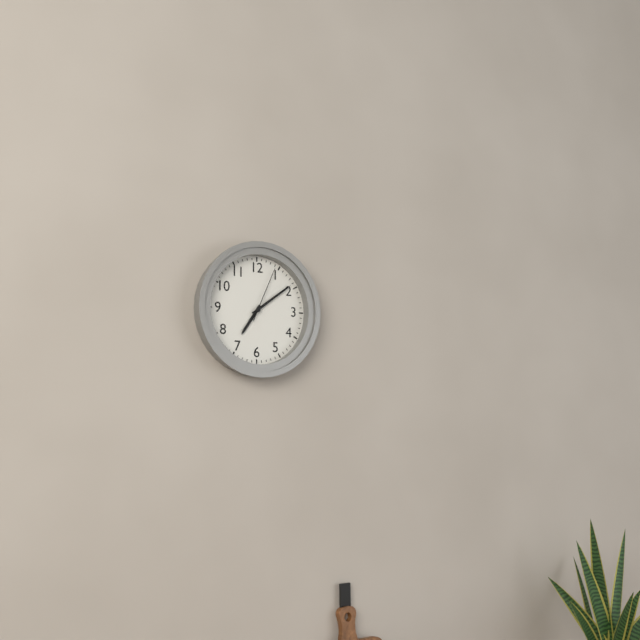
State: 7:09:04
